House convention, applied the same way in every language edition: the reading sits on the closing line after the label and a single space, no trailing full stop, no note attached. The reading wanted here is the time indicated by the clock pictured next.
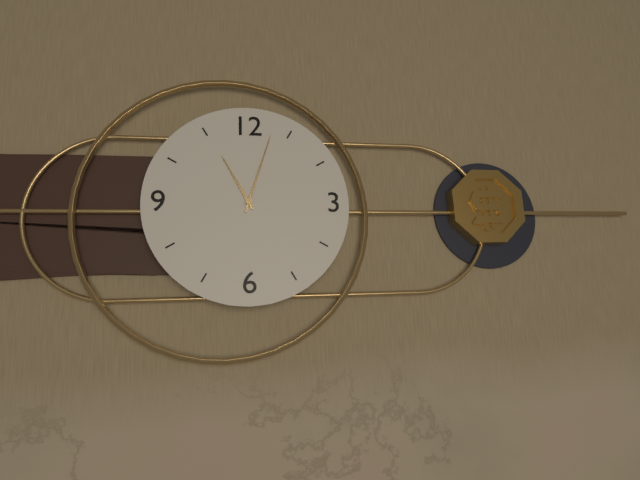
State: 11:03
